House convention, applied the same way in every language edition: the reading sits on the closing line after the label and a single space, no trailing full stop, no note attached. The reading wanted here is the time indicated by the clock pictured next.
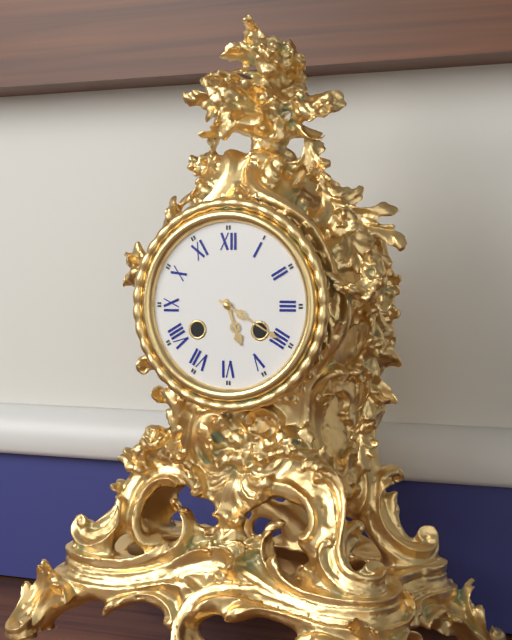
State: 5:20
